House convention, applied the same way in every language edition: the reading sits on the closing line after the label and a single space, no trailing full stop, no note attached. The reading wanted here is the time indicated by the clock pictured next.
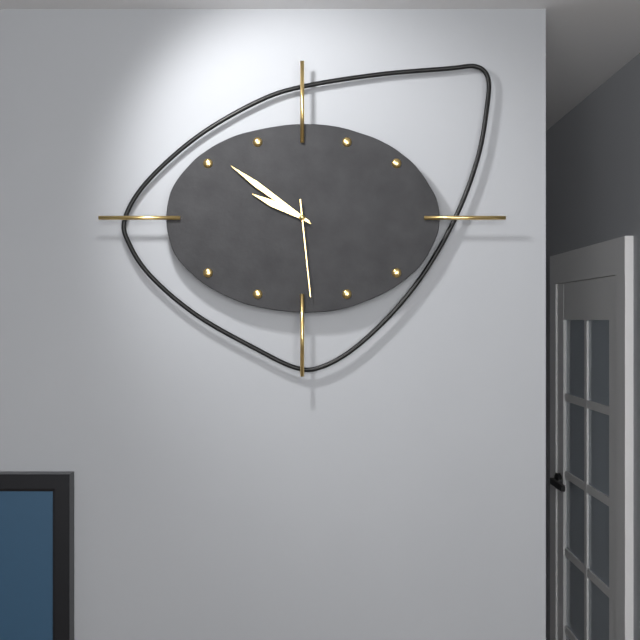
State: 9:51:29
